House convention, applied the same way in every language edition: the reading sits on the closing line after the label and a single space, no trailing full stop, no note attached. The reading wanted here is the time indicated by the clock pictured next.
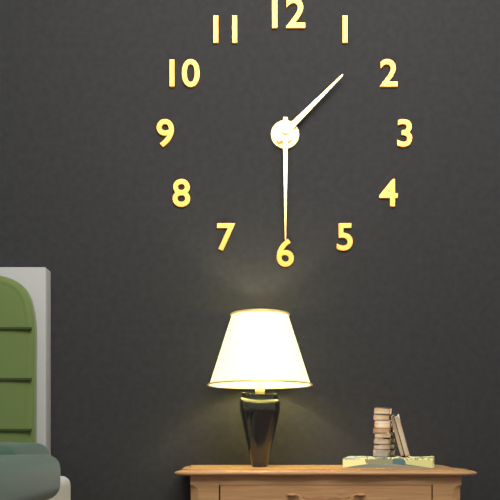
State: 1:30
